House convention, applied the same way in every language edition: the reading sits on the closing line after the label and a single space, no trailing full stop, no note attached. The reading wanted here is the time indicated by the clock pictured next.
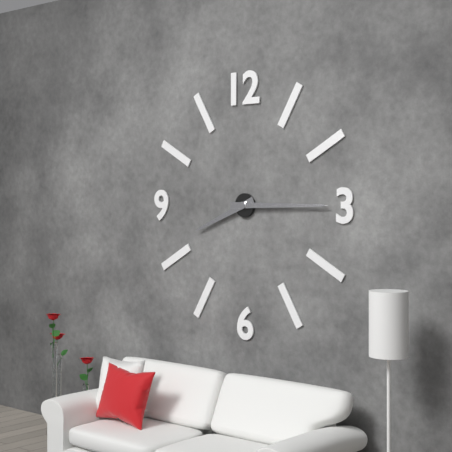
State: 8:15
